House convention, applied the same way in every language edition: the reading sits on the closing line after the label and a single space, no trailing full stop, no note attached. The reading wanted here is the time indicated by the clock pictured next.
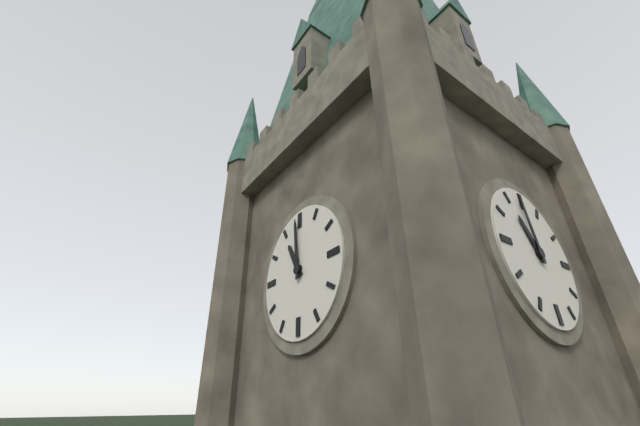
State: 10:59
